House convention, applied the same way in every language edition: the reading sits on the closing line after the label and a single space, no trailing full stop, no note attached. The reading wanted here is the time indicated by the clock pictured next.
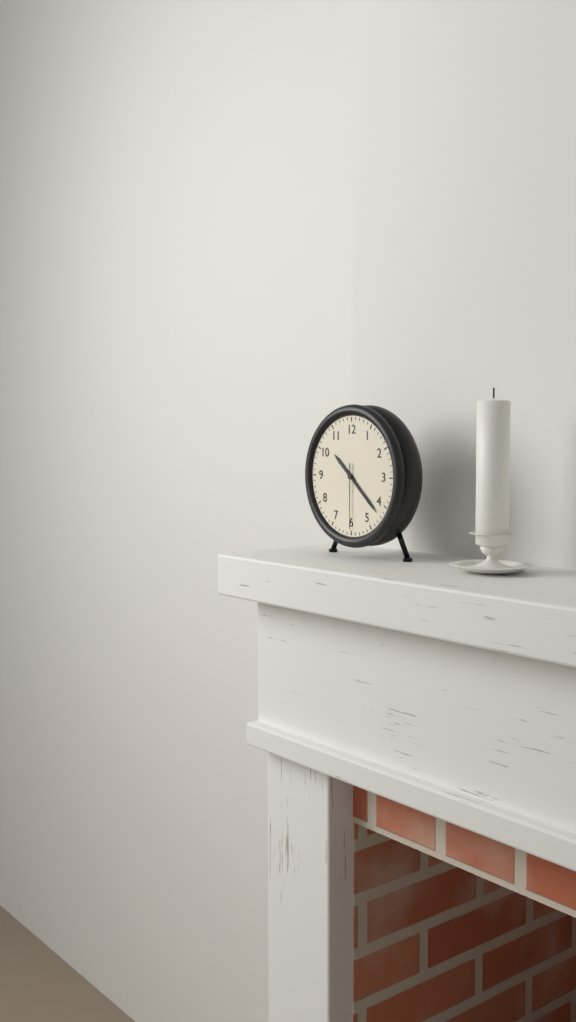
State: 10:22:30
